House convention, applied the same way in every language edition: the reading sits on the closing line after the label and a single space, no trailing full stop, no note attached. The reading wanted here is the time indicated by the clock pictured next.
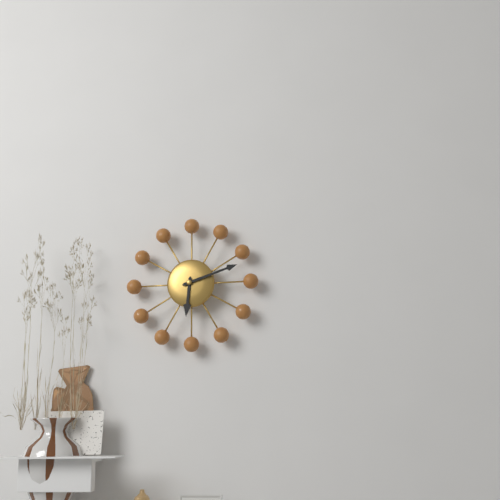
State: 6:12
